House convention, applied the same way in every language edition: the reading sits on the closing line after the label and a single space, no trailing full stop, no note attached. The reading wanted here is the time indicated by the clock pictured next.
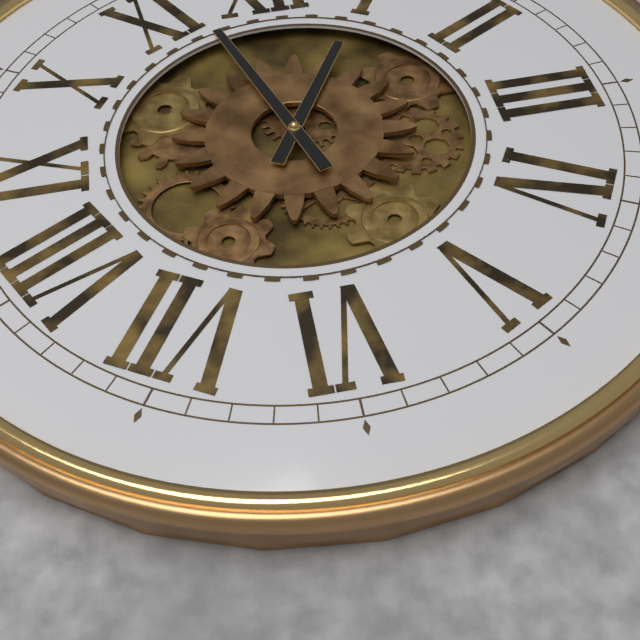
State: 12:57
